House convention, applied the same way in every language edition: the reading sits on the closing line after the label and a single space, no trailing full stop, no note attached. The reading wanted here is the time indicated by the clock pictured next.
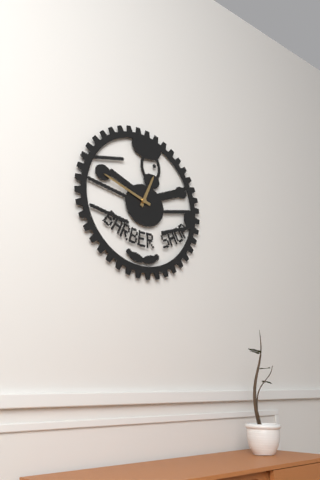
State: 12:48
